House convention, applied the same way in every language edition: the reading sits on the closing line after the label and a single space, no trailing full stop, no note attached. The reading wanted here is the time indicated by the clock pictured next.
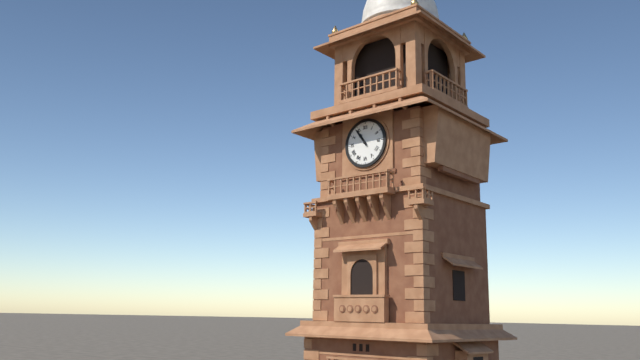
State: 10:54
